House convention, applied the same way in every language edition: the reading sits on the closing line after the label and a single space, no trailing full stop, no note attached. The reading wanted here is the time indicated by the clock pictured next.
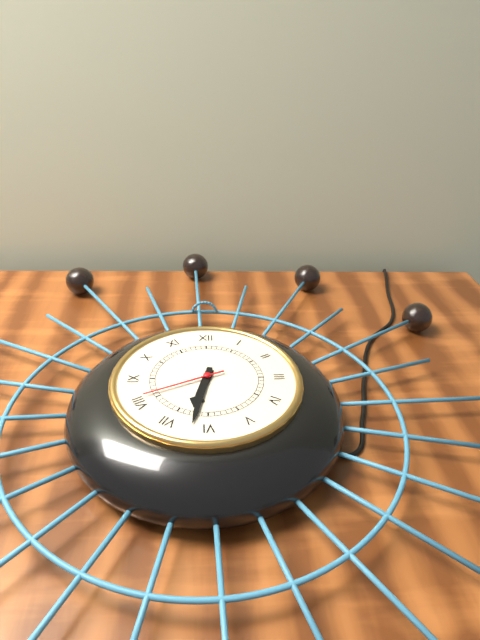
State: 6:32:41
